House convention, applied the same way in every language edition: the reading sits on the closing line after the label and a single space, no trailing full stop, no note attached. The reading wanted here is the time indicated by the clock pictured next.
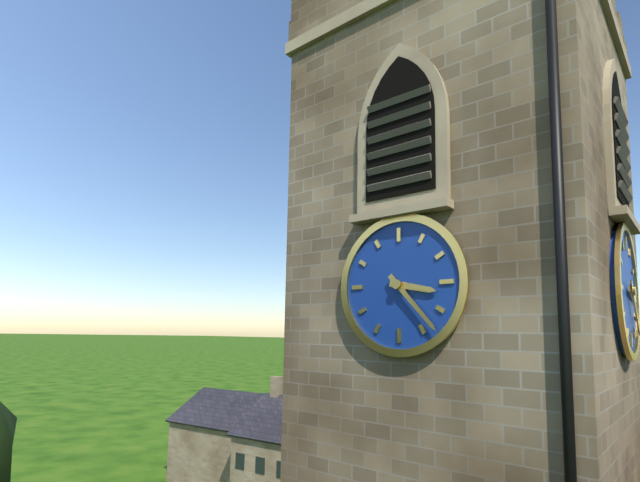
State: 3:23
